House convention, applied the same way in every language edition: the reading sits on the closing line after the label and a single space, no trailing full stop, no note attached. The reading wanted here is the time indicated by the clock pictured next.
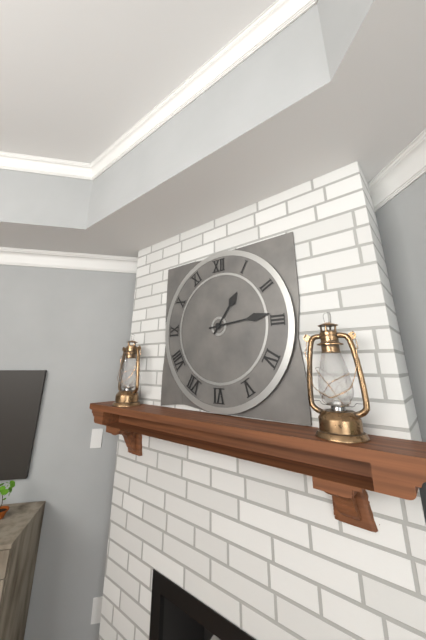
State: 1:14
